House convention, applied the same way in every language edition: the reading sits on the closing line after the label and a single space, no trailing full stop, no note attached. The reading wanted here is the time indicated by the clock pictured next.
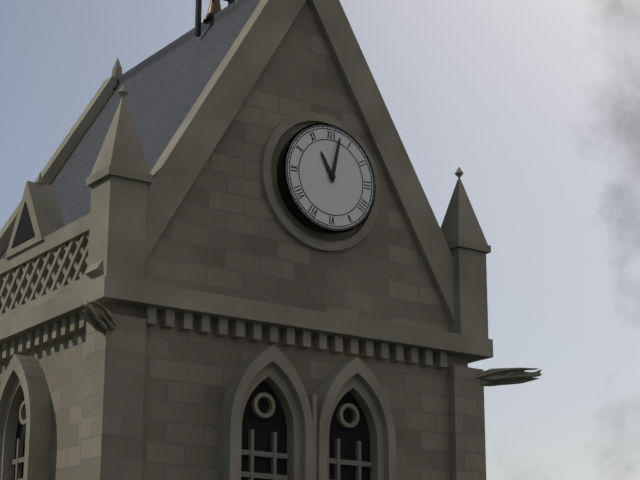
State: 11:02
